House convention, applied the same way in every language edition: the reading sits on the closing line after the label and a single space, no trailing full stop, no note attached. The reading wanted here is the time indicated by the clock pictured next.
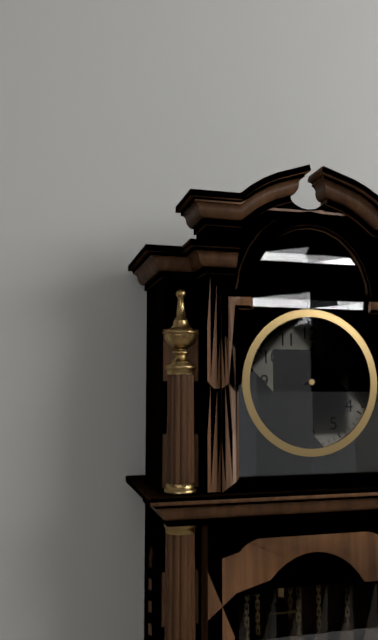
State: 12:12
